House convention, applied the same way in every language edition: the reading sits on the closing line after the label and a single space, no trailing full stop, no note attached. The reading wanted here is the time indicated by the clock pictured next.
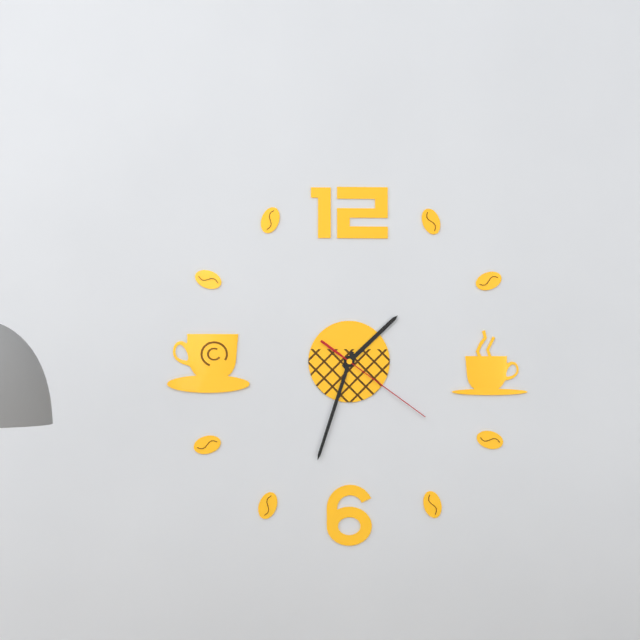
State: 1:33:21
